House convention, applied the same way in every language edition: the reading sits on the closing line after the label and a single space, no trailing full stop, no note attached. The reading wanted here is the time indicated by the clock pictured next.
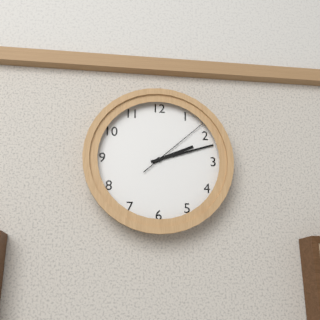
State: 2:12:08
